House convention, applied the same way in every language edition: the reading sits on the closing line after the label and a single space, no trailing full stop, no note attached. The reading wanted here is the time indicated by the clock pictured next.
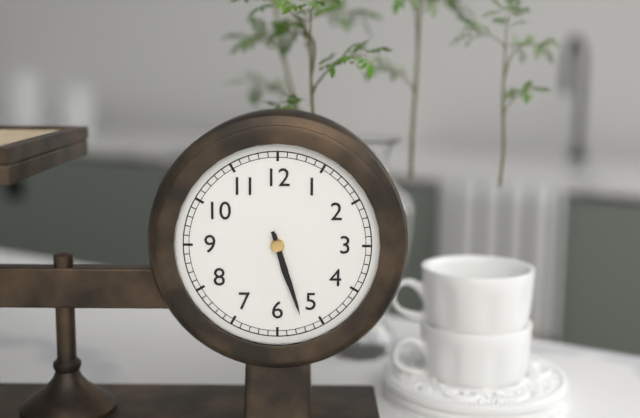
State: 5:27
